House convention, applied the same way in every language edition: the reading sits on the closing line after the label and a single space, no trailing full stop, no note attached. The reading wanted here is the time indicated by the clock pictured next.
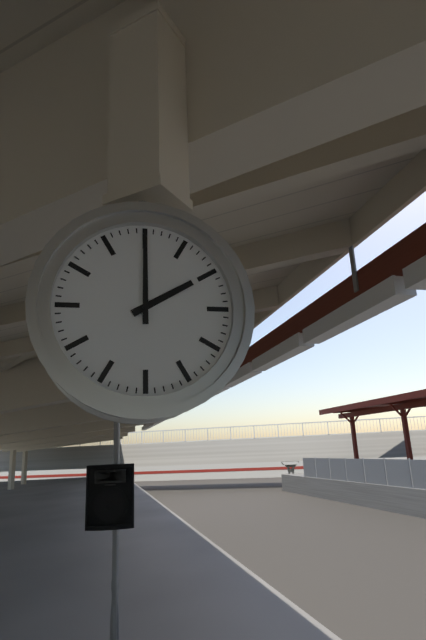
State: 2:00
